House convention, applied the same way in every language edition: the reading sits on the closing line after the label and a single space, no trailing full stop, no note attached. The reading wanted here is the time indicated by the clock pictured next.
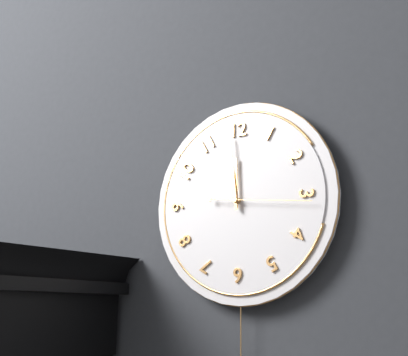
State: 11:59:16
